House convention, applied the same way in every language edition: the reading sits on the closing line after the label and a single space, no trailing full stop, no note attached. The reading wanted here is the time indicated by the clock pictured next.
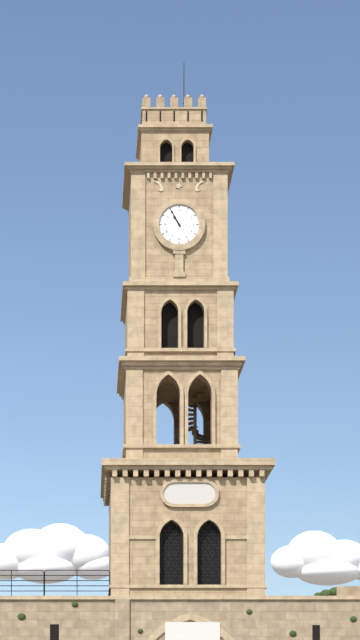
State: 10:55
